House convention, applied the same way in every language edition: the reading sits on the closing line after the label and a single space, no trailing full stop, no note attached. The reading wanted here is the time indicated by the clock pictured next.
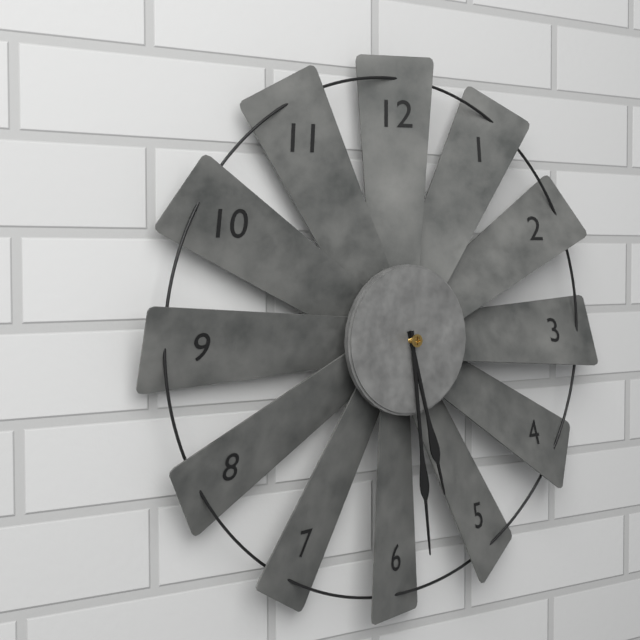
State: 5:29
